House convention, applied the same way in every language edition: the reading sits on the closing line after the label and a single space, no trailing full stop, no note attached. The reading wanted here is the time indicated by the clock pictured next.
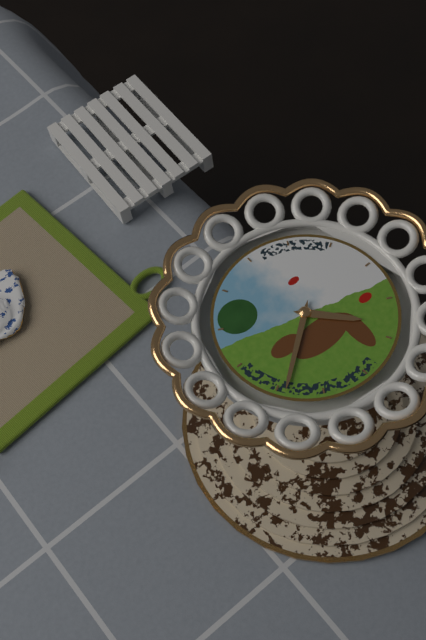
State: 4:39
